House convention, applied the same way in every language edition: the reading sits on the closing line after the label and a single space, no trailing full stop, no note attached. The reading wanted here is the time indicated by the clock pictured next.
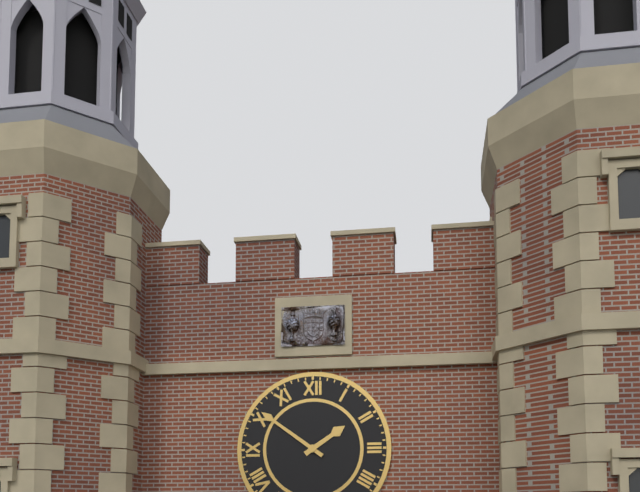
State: 1:51
